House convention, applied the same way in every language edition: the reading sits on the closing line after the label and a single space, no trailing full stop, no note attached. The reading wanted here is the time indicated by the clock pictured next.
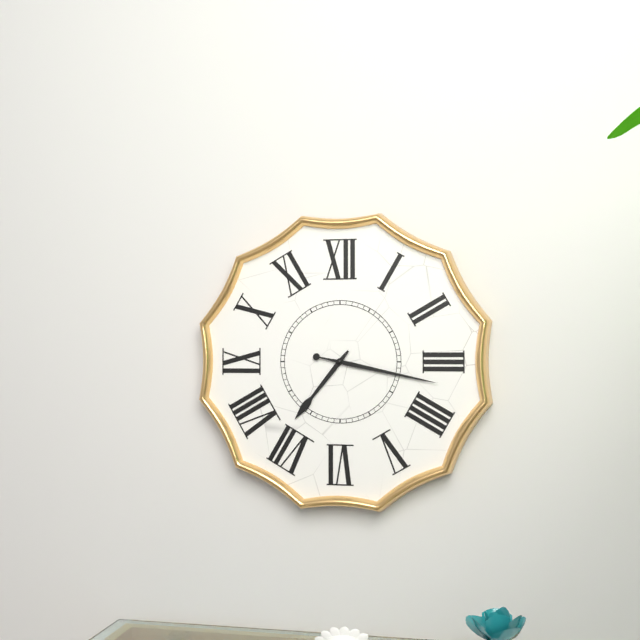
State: 7:17
